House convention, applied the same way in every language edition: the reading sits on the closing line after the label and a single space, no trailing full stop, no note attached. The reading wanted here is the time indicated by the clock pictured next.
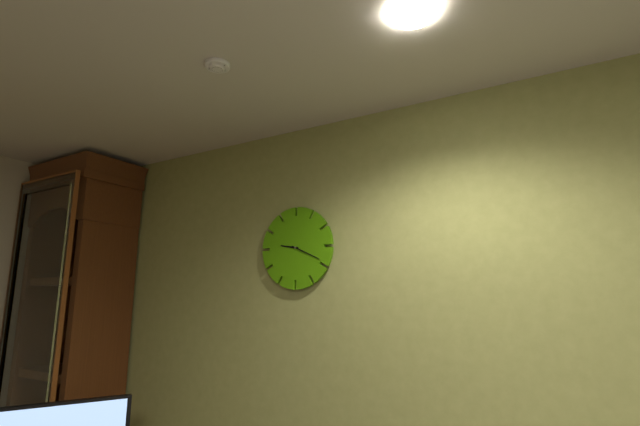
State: 9:19
